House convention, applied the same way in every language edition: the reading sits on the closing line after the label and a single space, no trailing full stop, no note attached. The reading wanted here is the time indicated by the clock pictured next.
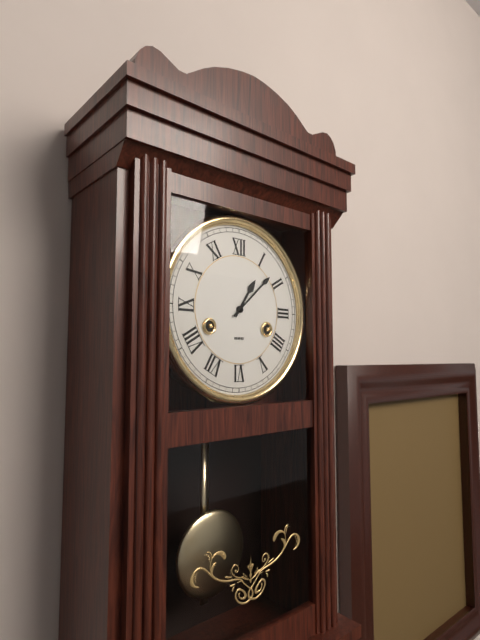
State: 1:08
